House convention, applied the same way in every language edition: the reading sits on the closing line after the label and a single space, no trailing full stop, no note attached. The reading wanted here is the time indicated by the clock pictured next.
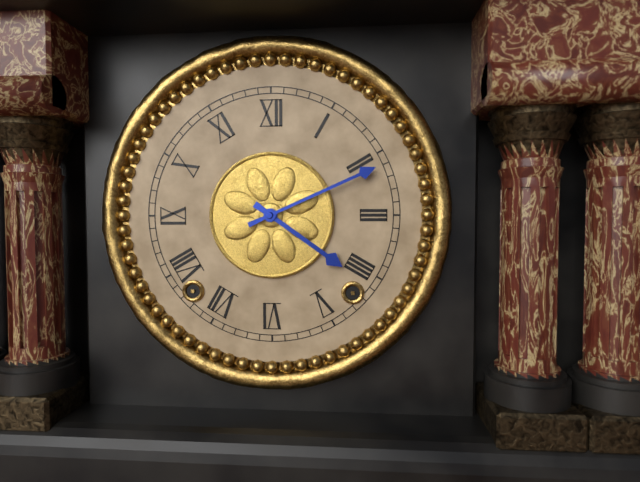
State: 4:11
